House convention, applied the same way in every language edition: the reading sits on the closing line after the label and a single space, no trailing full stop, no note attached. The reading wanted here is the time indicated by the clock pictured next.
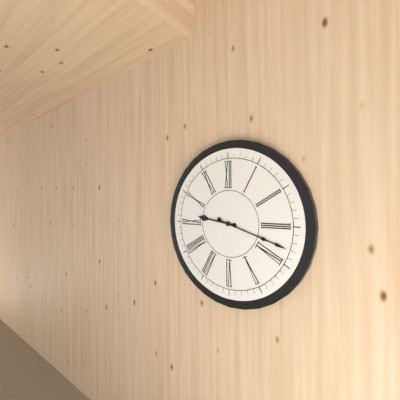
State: 9:18
